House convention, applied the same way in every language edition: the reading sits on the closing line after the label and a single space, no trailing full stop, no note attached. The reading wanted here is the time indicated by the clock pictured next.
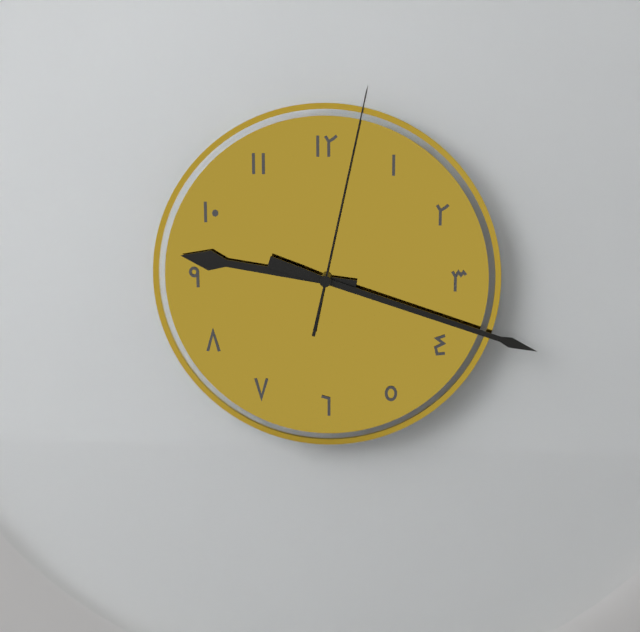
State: 9:18:02
